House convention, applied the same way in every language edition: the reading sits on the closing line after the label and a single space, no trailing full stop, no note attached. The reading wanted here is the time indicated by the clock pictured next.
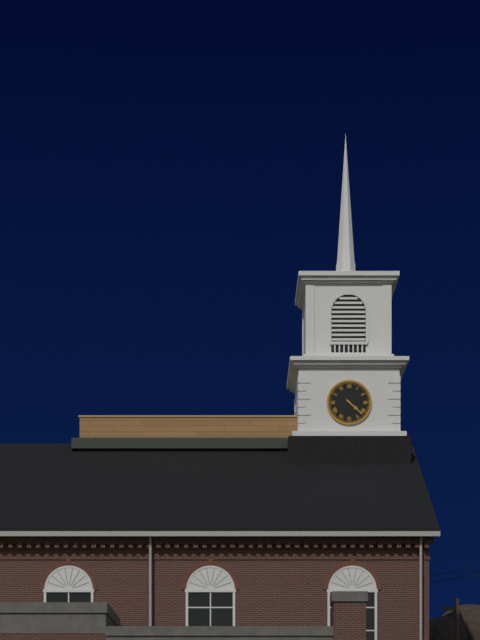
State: 4:22
